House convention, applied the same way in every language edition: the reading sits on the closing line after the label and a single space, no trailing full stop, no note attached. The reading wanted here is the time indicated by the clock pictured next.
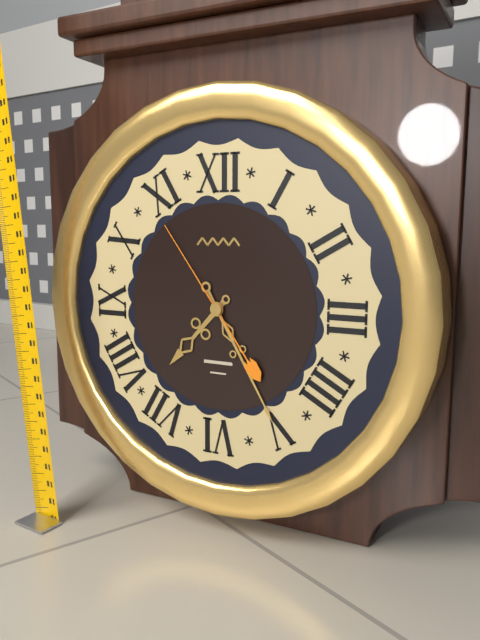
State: 7:25:54
